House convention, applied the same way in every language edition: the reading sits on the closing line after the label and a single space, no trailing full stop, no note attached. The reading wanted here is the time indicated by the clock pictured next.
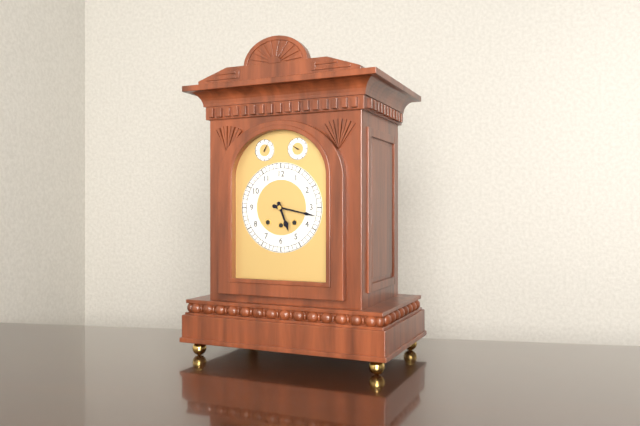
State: 5:17
